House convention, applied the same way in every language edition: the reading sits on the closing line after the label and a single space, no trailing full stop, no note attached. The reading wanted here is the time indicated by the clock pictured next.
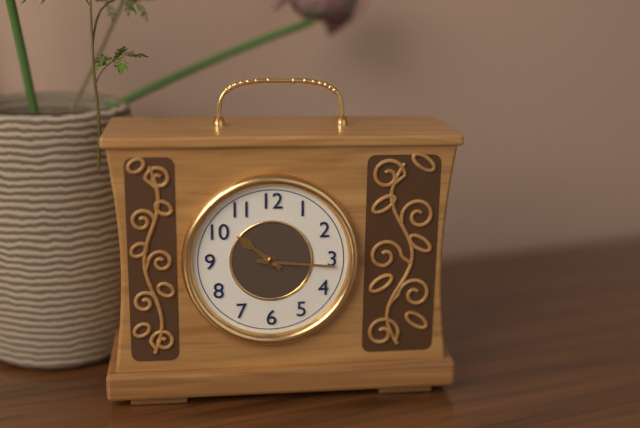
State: 10:16
